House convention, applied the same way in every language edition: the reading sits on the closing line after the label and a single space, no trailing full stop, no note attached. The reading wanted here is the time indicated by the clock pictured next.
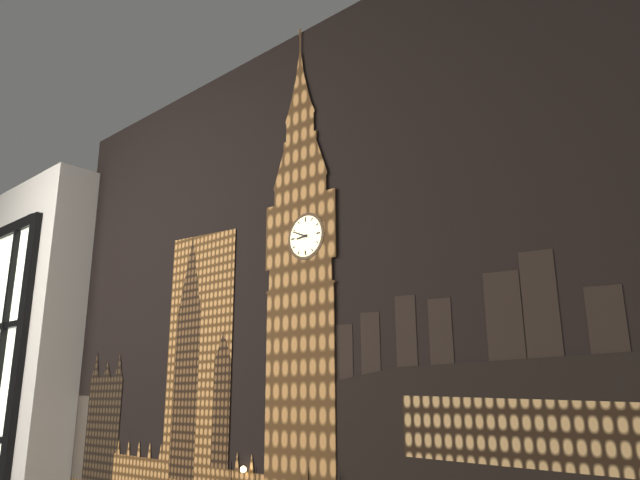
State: 8:49
